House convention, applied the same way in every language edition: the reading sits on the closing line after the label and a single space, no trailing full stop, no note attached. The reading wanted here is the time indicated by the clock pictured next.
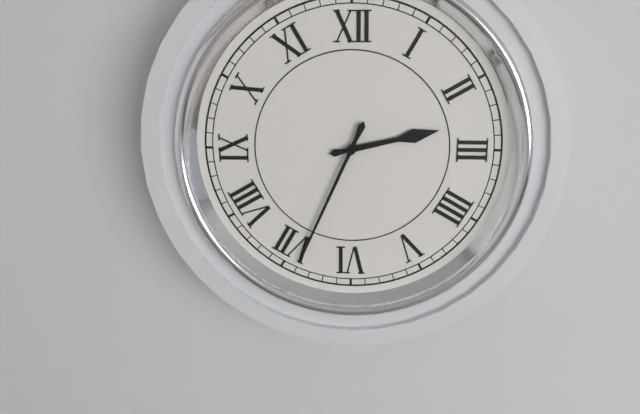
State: 2:34
